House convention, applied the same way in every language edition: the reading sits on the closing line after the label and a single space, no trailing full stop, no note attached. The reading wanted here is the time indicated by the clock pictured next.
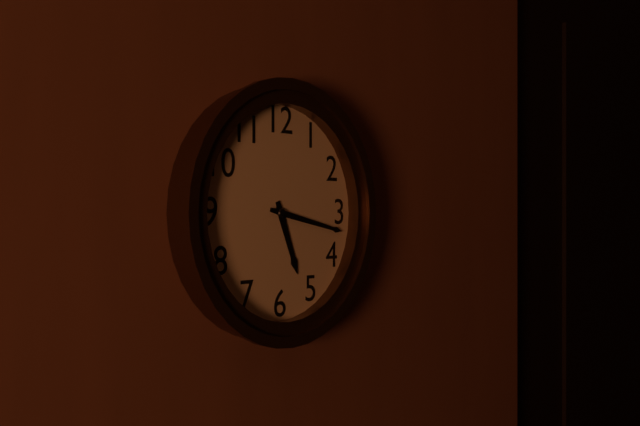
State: 5:17
